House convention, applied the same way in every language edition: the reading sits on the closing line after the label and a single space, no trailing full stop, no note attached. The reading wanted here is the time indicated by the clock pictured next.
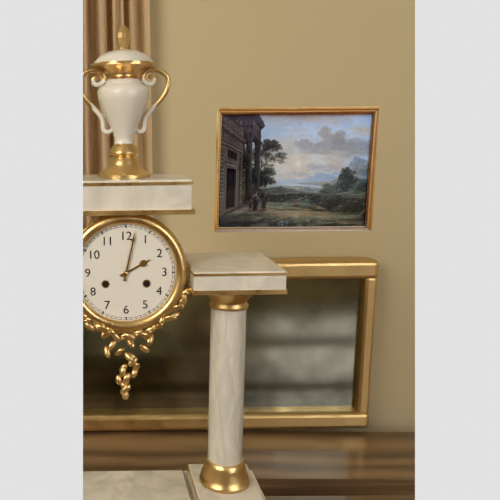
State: 2:02
